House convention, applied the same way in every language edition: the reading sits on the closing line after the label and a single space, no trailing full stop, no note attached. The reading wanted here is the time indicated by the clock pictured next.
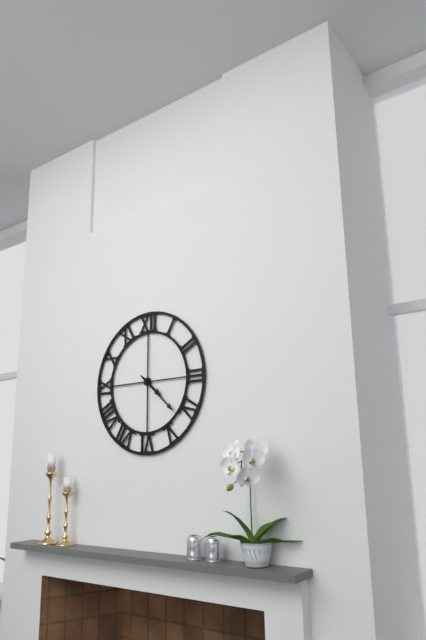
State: 4:22
